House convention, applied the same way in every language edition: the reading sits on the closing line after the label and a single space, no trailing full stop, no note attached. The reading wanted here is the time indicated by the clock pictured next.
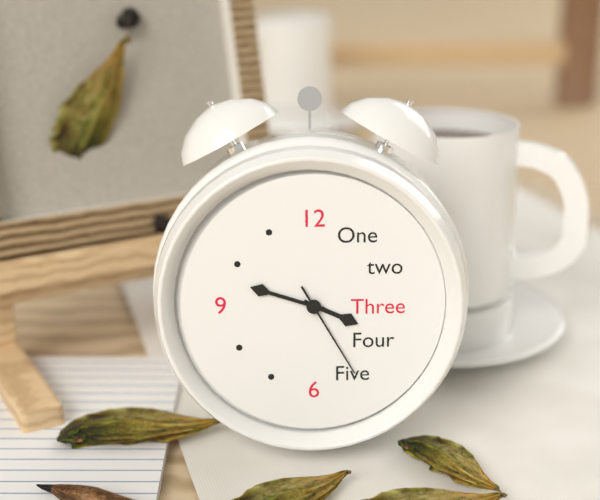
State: 3:48:25
